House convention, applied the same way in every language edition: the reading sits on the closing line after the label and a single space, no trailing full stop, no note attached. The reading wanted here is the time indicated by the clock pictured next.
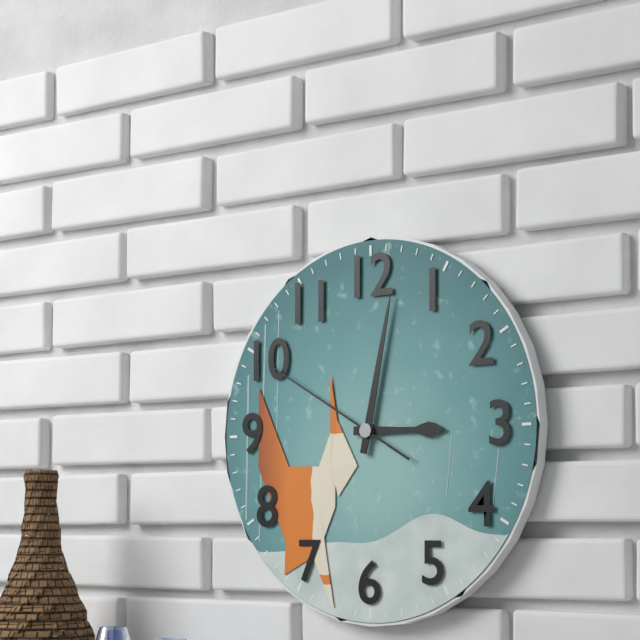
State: 3:02:50
